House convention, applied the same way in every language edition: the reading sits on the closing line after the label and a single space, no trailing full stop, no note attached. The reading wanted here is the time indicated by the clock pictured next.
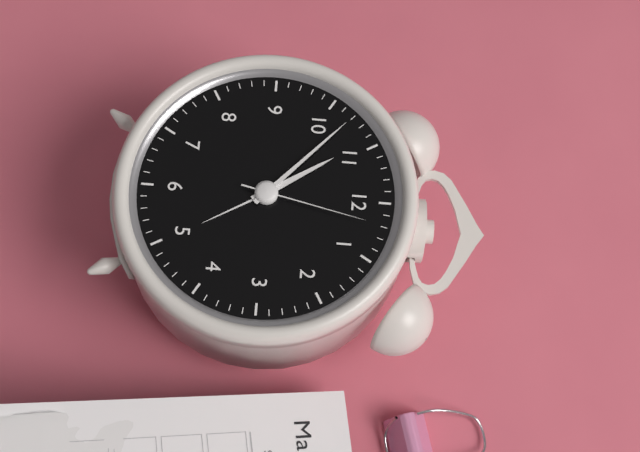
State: 10:52:02
